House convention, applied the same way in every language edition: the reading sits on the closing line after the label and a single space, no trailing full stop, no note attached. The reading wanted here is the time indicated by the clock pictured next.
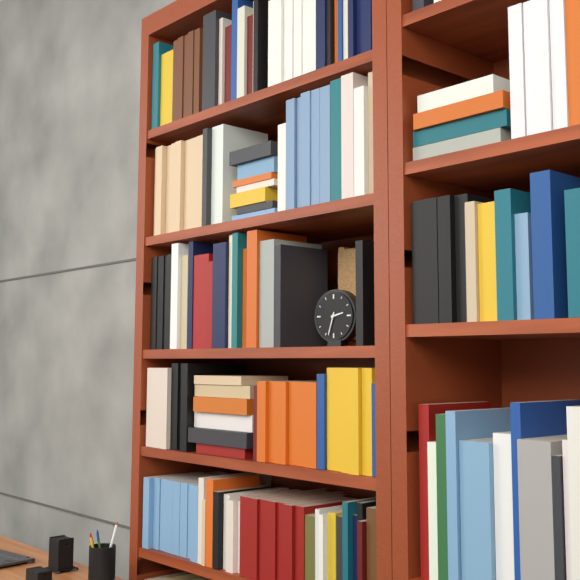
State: 2:33
